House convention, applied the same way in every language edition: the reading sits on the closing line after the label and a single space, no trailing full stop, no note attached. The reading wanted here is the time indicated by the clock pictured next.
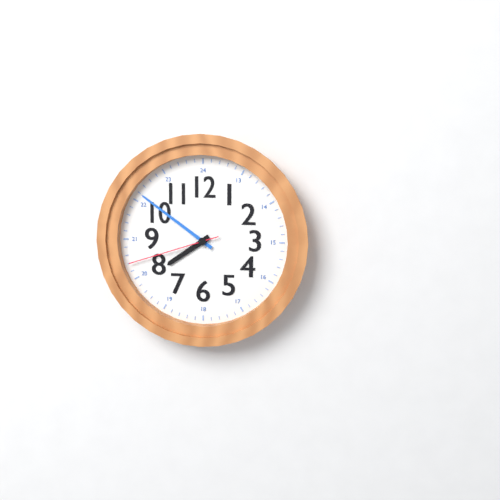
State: 7:51:42
